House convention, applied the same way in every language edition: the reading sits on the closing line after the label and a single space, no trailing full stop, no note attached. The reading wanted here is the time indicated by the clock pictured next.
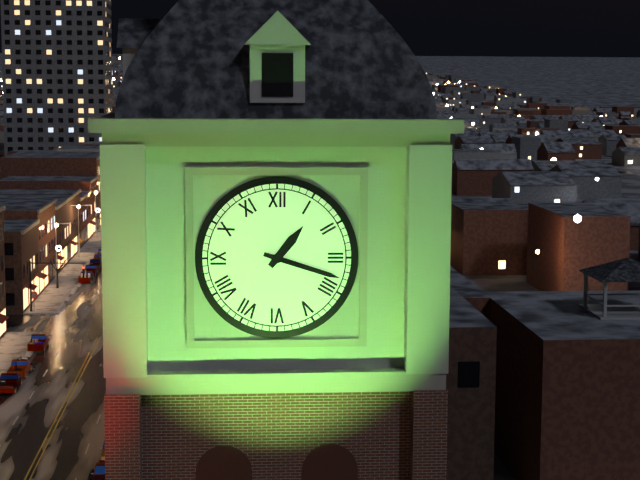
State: 1:18
